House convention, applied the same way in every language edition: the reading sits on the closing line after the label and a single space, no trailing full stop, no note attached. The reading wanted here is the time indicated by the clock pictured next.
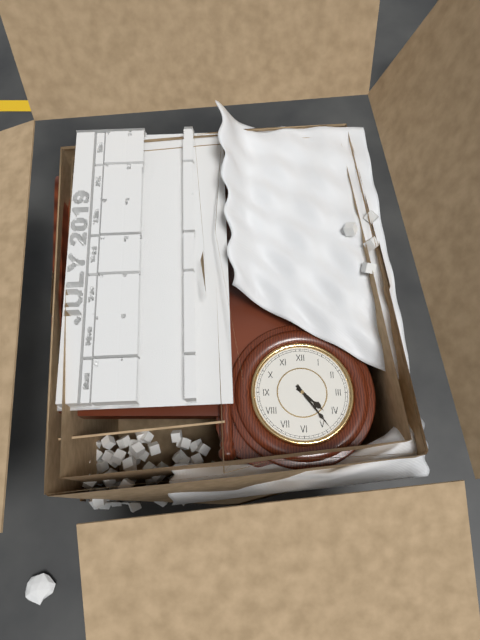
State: 4:24
